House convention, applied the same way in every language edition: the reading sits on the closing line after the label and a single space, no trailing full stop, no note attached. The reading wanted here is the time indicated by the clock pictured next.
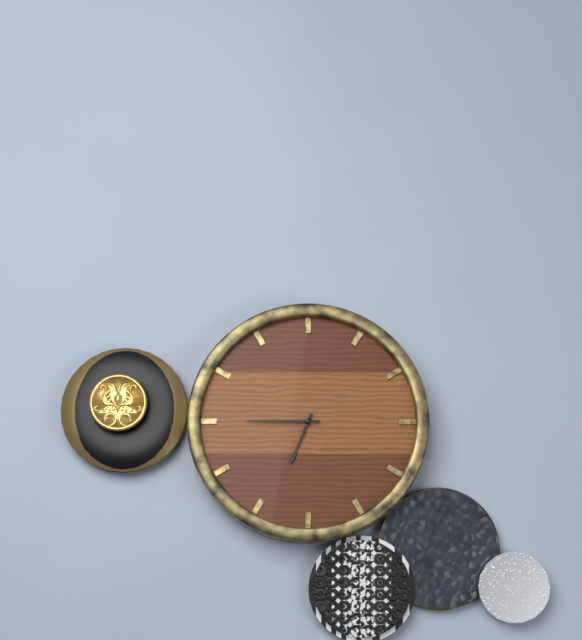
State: 6:45
